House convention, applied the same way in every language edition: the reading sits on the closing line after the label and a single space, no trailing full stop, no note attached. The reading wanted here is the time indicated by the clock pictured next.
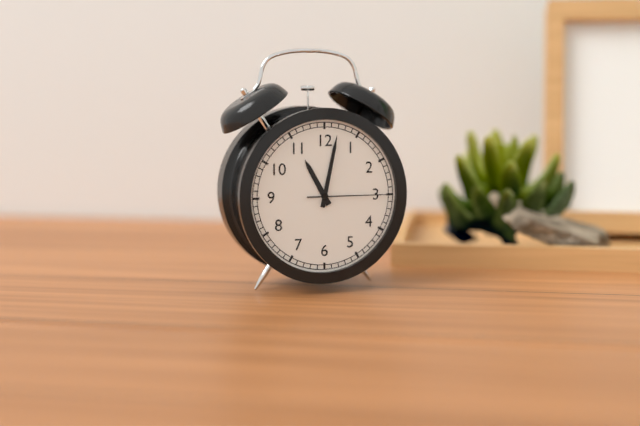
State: 11:02:15
